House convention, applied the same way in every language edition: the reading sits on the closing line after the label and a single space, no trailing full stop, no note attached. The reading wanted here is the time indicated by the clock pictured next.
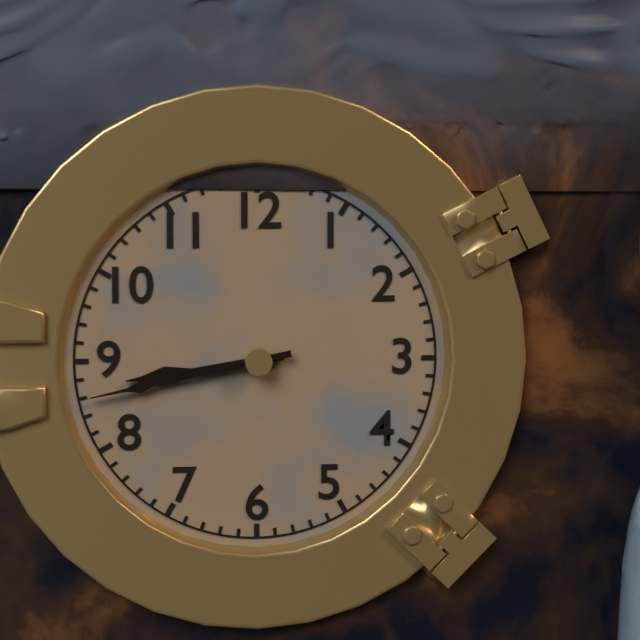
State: 8:43
